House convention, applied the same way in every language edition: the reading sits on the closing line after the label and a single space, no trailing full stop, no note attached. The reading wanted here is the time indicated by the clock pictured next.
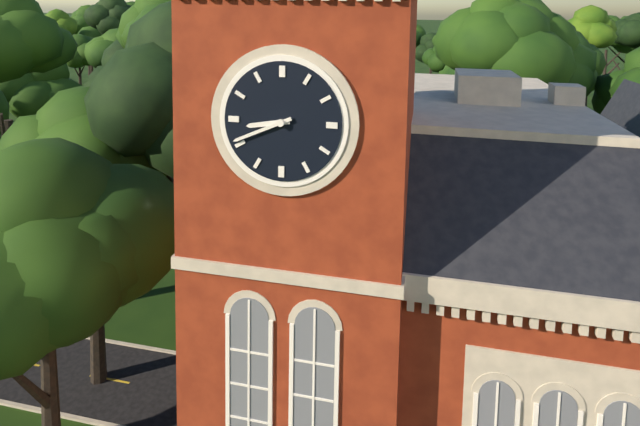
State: 8:41
